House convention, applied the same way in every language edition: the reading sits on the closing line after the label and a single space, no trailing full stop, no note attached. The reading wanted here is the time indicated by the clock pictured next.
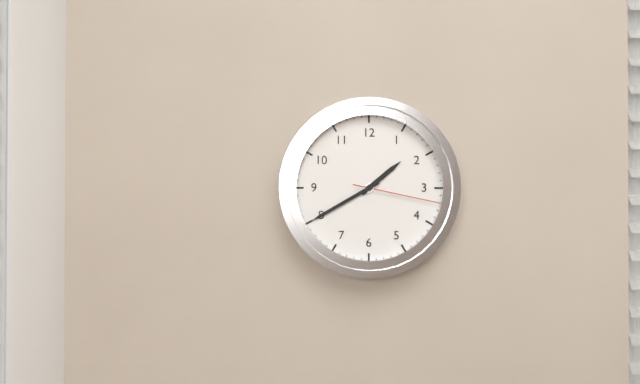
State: 1:40:17
